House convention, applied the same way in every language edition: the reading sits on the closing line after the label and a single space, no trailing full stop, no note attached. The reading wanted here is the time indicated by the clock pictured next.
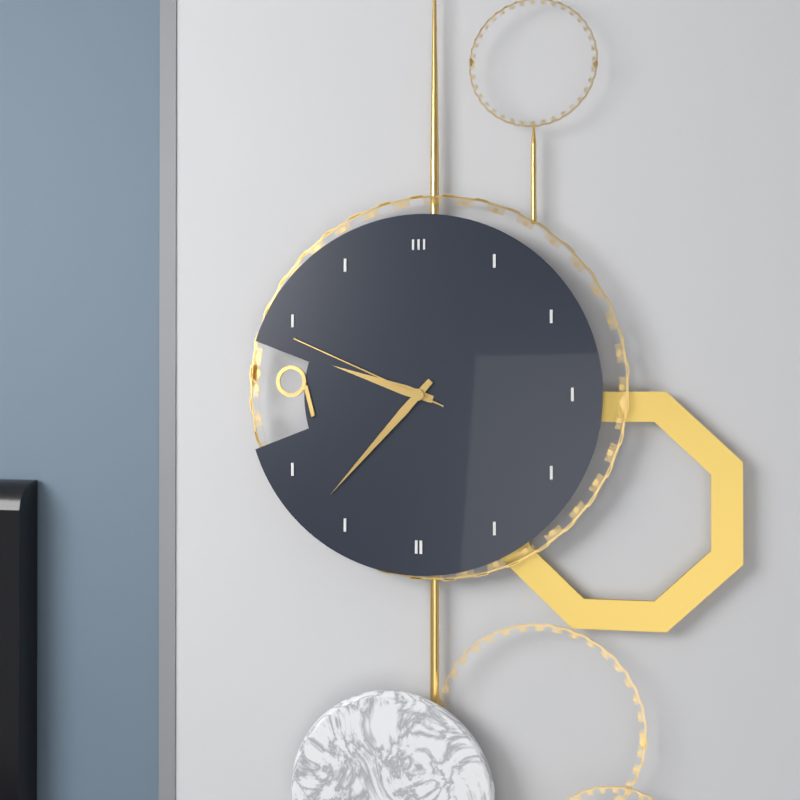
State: 9:37:49
